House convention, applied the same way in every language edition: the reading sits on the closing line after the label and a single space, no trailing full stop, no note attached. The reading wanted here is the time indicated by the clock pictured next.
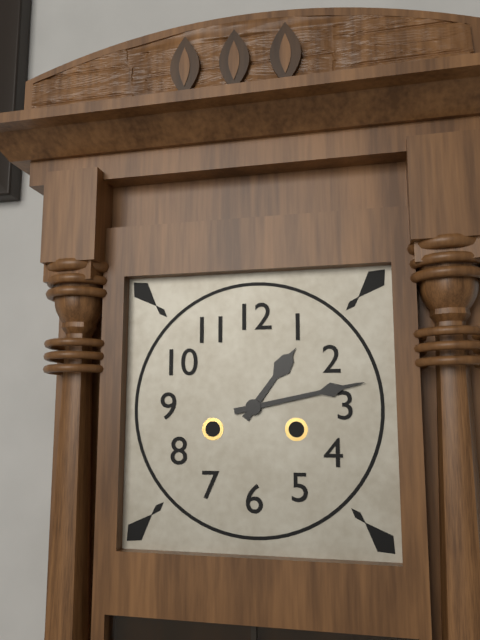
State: 1:13
